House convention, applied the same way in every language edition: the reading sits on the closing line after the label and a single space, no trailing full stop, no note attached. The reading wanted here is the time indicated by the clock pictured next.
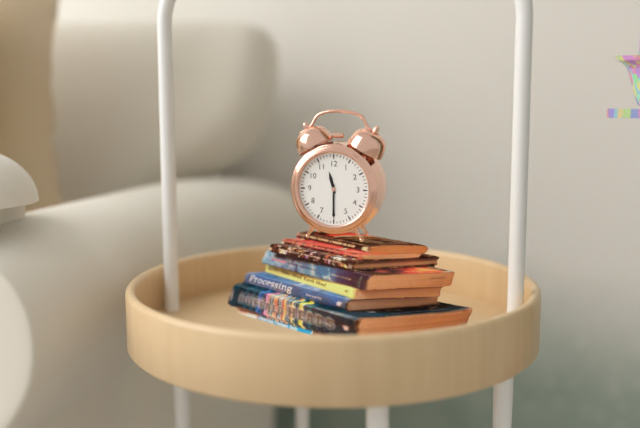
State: 11:30
